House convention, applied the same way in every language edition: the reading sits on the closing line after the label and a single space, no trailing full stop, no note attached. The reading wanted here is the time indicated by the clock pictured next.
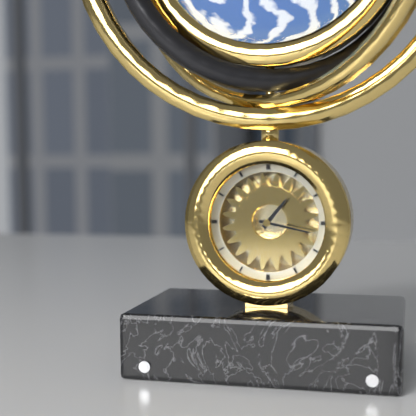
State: 1:17
